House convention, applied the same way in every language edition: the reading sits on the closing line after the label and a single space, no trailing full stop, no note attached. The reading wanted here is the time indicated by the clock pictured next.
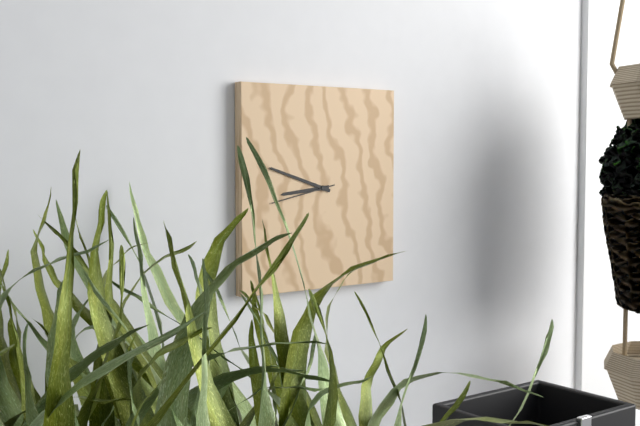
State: 8:48:43
